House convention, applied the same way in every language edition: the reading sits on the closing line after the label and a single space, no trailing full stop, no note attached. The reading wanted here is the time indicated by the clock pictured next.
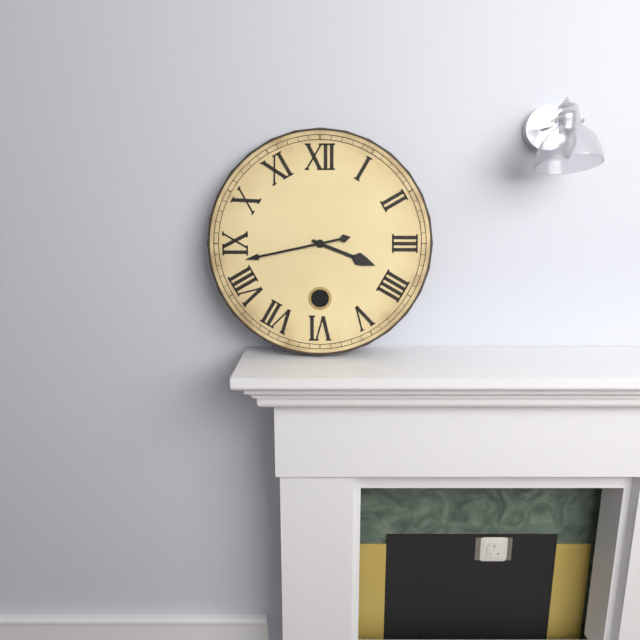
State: 3:43
